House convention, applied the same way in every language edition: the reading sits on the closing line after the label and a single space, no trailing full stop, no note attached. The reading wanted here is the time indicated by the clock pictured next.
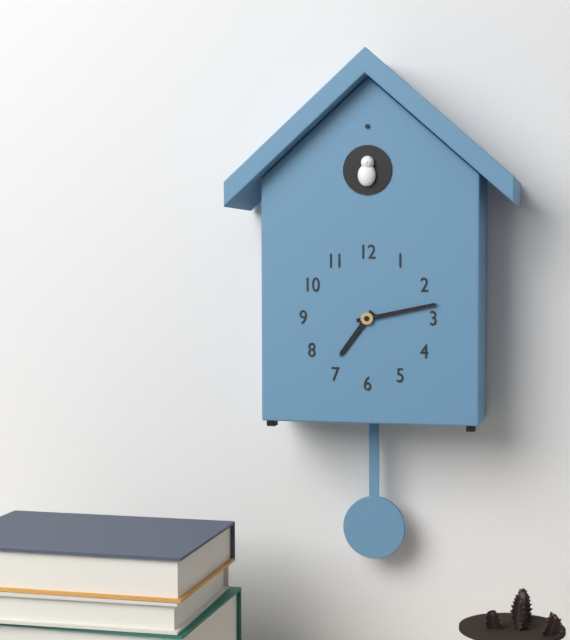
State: 7:13
